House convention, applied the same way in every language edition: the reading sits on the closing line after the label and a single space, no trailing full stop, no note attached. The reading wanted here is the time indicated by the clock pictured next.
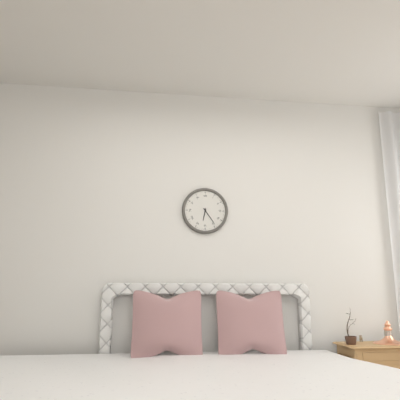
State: 6:24
